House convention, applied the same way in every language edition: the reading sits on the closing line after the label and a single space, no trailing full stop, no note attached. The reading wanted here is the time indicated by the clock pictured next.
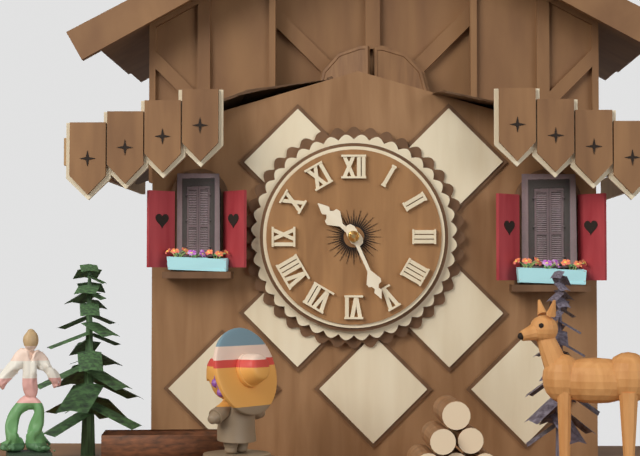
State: 10:26
